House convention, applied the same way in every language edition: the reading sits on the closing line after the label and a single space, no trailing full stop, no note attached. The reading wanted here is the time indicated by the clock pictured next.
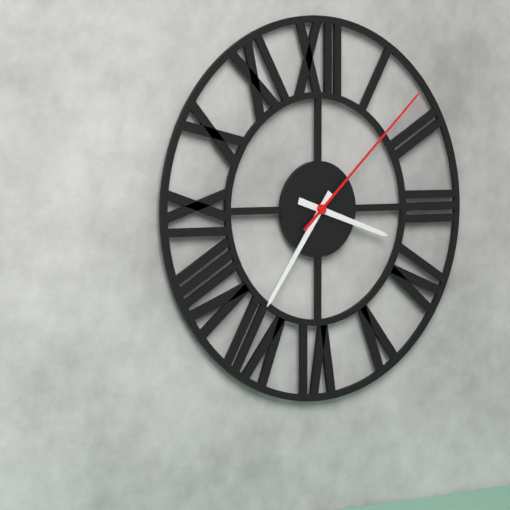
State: 3:36:08
